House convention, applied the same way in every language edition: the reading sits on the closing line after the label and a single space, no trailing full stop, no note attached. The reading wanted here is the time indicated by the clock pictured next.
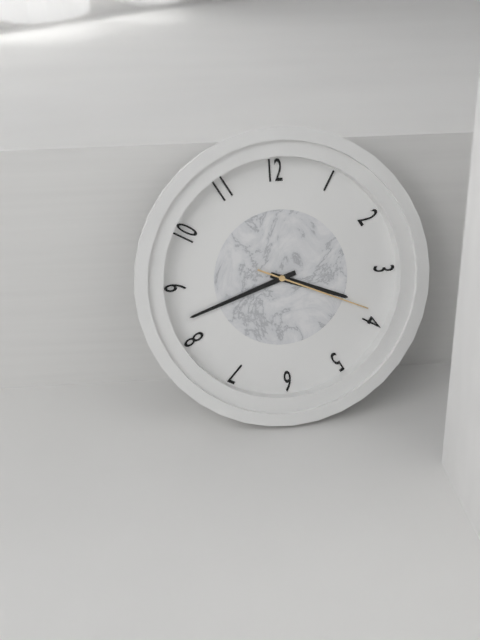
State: 3:42:19
